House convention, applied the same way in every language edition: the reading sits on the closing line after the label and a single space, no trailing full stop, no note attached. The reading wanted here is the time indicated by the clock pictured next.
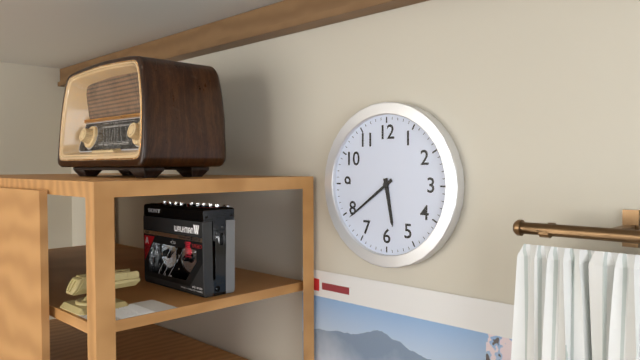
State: 5:39
